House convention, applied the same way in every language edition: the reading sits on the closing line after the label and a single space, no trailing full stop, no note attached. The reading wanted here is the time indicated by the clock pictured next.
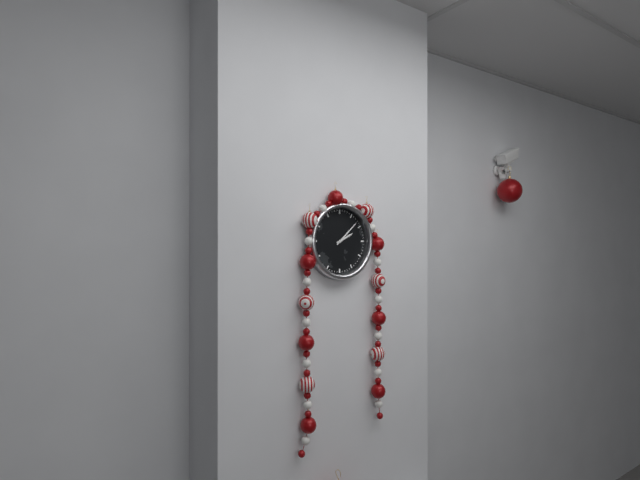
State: 2:08
